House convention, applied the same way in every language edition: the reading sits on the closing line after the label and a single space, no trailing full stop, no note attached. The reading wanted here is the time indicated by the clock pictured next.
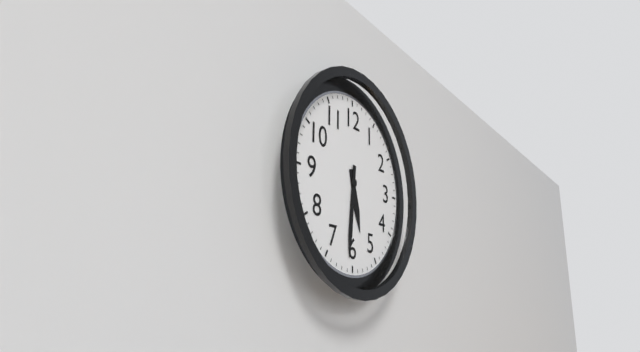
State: 5:31
